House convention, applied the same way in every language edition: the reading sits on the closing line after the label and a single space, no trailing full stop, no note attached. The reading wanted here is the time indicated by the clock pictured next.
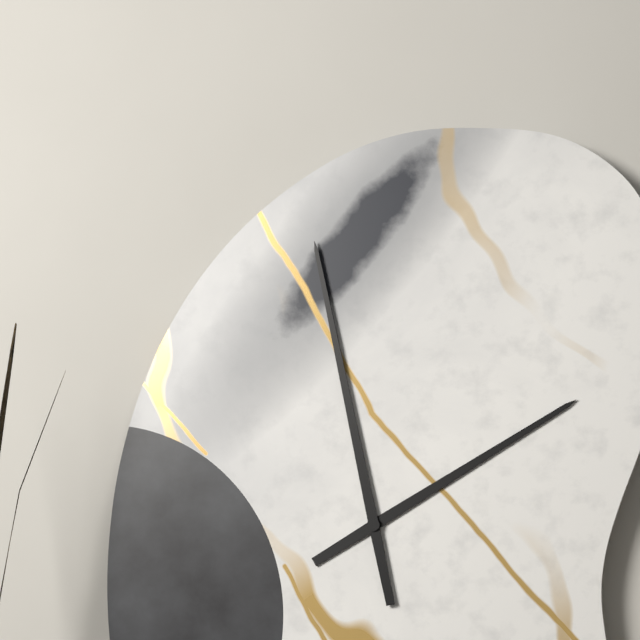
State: 1:58
